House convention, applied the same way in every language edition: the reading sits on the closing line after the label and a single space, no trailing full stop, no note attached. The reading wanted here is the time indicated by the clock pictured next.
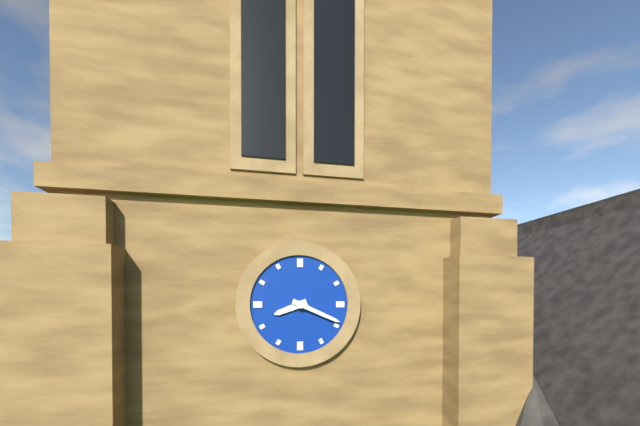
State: 8:19
